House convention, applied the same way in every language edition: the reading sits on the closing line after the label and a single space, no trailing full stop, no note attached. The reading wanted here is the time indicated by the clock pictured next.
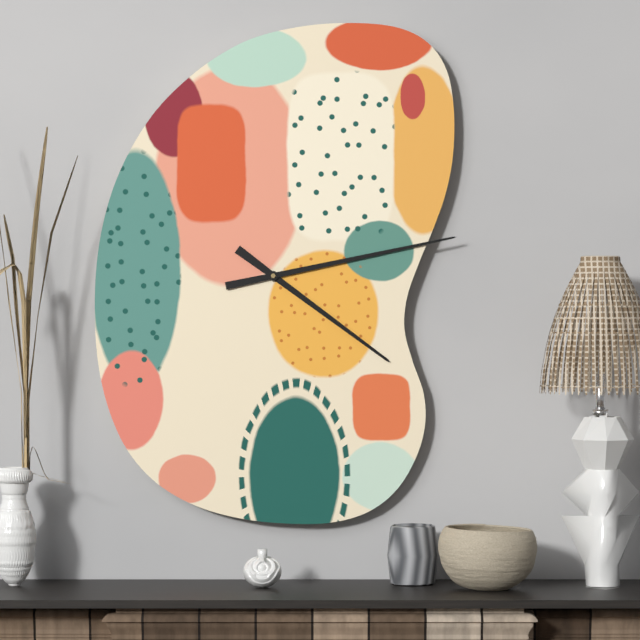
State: 4:13
